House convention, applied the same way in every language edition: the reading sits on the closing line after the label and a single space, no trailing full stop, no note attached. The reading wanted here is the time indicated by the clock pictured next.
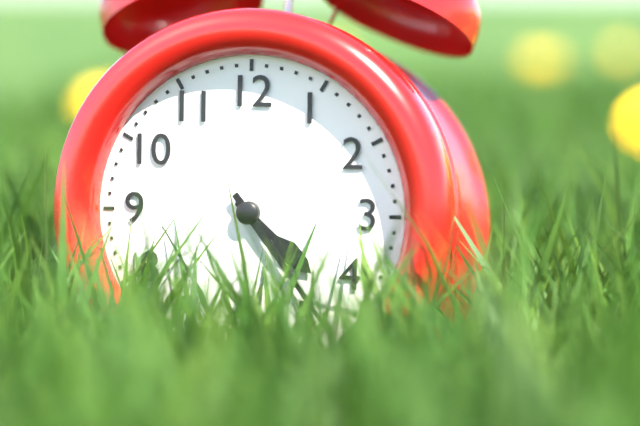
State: 4:24
